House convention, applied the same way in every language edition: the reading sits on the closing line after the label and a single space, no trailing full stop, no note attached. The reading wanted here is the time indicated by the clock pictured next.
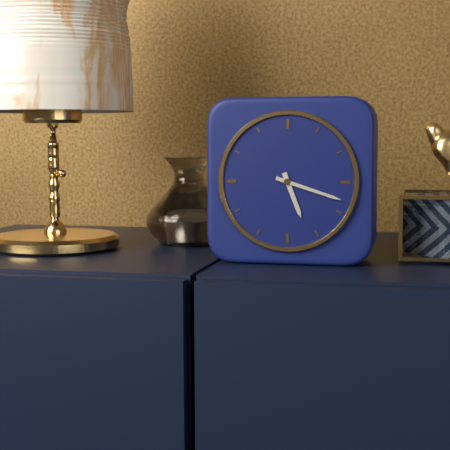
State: 5:18
